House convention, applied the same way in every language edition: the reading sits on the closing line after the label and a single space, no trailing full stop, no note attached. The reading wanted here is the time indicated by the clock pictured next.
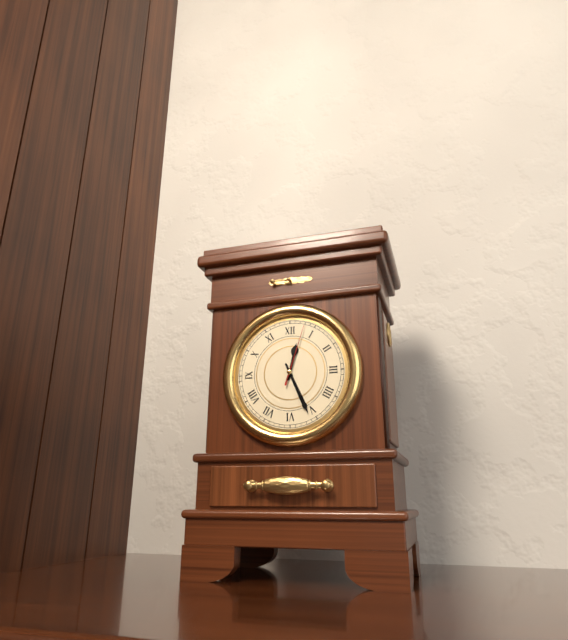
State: 12:26:03
